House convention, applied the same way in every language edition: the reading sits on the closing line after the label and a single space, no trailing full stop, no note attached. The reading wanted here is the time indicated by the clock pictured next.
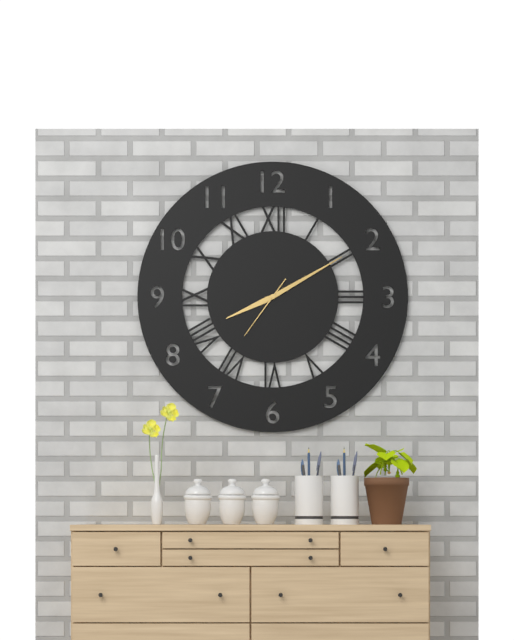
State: 8:10:36
